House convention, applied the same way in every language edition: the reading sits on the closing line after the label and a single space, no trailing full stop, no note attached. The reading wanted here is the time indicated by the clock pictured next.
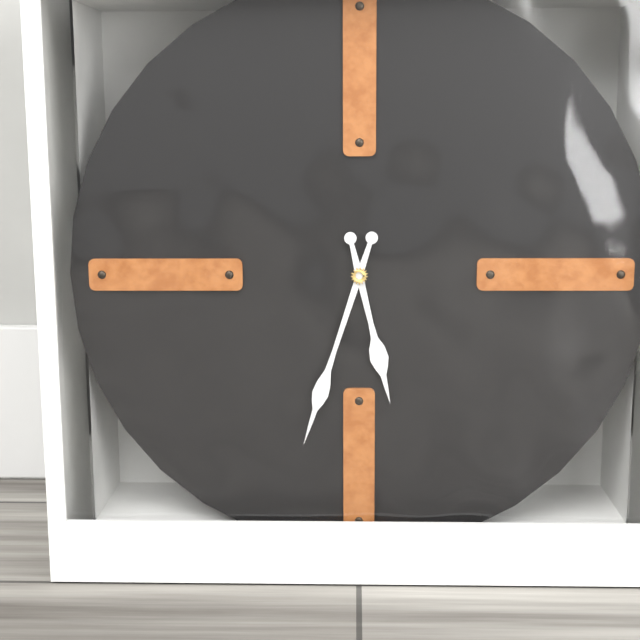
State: 5:33
